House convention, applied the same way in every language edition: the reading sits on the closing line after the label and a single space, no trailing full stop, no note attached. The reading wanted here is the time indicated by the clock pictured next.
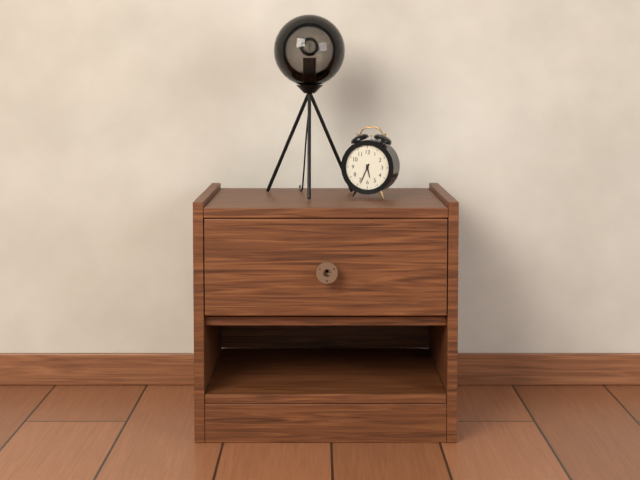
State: 5:34
